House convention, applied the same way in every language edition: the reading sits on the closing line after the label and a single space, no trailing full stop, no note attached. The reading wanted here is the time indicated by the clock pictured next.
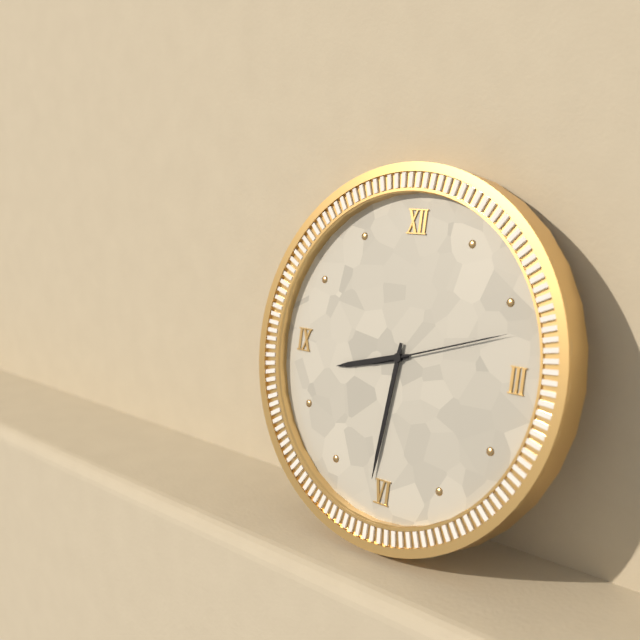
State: 8:31:12
